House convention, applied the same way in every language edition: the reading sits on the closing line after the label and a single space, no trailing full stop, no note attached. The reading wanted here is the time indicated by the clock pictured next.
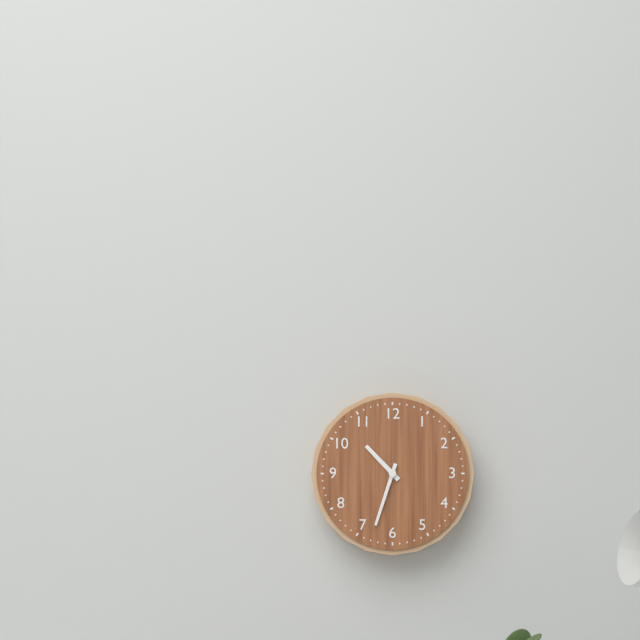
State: 10:33
